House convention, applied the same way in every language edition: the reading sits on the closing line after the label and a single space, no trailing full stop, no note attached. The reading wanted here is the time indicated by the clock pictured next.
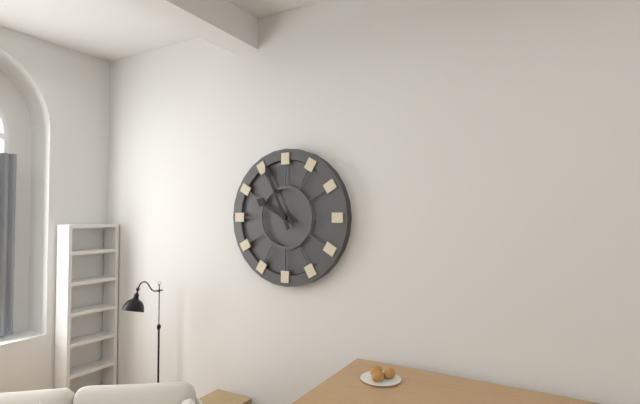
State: 9:56
